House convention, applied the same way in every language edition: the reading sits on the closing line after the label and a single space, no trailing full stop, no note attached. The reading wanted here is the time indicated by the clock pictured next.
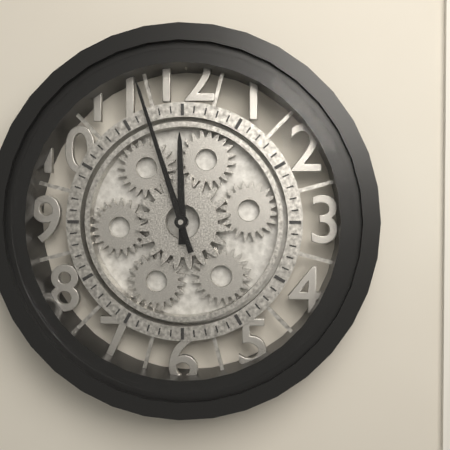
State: 11:57
